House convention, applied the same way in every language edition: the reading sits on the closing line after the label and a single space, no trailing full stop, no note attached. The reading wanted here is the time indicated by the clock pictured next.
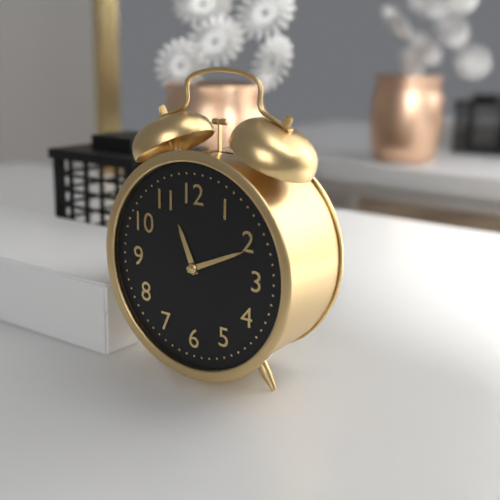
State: 11:11
